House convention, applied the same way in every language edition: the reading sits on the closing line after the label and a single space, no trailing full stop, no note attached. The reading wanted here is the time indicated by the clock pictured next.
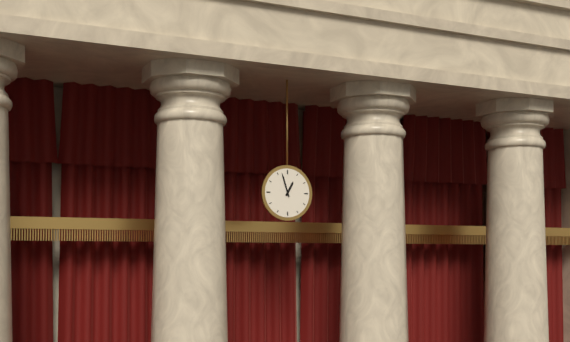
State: 12:57
